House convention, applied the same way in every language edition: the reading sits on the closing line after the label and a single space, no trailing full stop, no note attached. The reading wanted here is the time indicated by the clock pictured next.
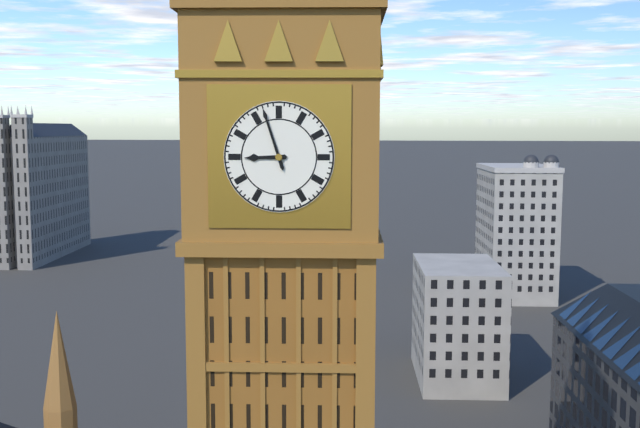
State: 8:57
